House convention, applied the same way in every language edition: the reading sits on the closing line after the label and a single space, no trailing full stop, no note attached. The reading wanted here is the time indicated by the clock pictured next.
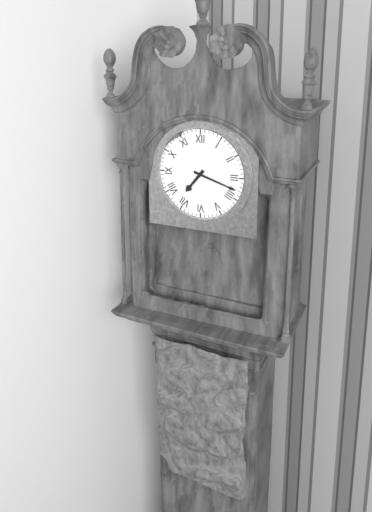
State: 7:18
